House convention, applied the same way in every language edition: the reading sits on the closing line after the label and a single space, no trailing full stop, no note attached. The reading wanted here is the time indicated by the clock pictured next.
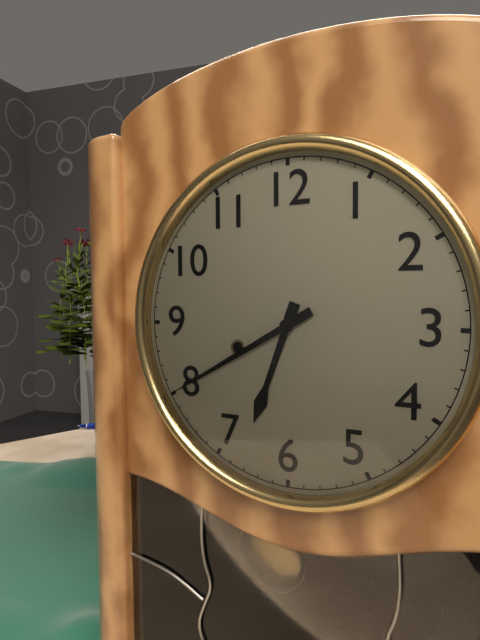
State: 6:40
